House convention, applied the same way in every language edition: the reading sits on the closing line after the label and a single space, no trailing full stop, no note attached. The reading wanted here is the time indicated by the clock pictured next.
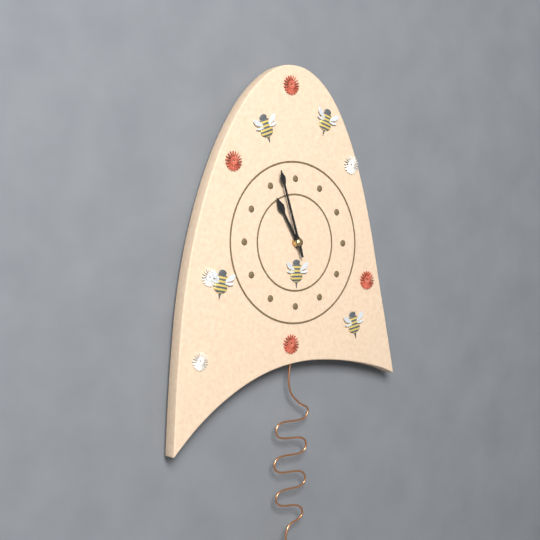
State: 10:57
